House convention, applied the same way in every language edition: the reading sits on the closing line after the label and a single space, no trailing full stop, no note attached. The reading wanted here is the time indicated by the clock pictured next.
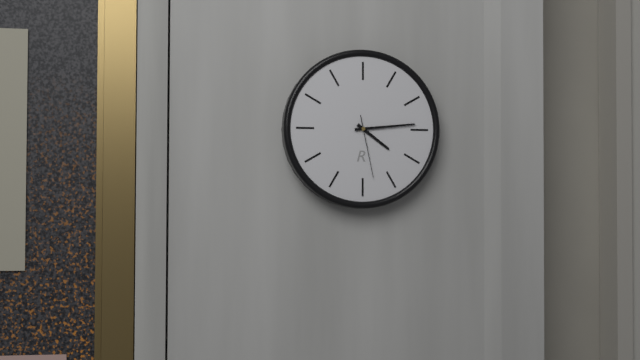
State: 4:14:28
